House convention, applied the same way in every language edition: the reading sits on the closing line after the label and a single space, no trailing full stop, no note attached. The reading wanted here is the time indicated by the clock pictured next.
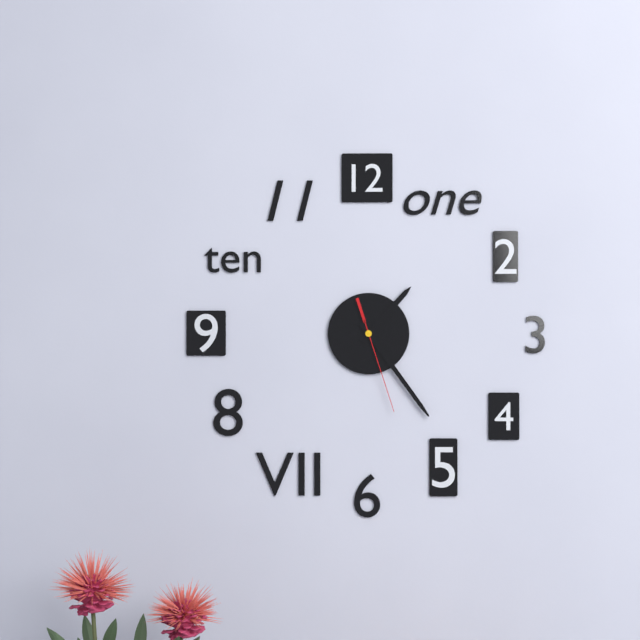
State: 1:24:27
